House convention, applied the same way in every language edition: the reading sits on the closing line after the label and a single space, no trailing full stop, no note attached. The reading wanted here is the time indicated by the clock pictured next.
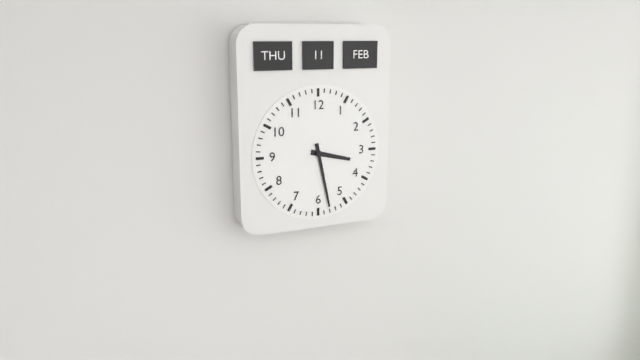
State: 3:28
